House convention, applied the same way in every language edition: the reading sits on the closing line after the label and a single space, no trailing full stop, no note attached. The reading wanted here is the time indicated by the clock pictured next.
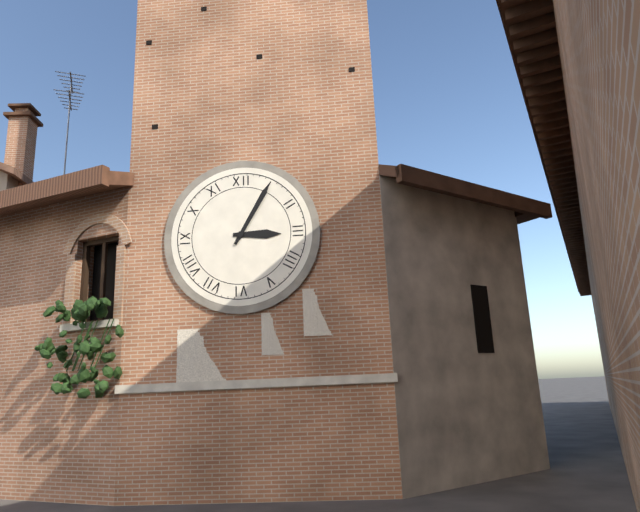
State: 3:05
